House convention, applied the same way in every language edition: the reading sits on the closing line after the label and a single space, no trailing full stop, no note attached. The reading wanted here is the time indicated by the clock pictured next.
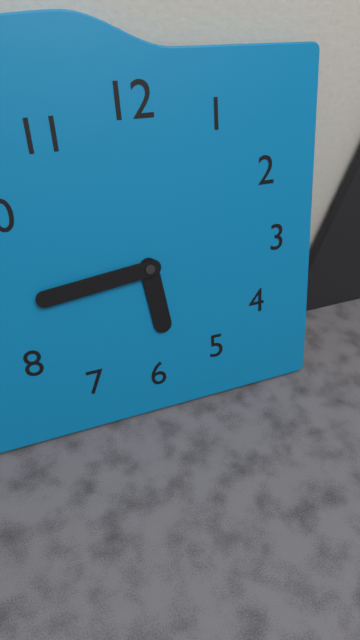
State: 5:44
